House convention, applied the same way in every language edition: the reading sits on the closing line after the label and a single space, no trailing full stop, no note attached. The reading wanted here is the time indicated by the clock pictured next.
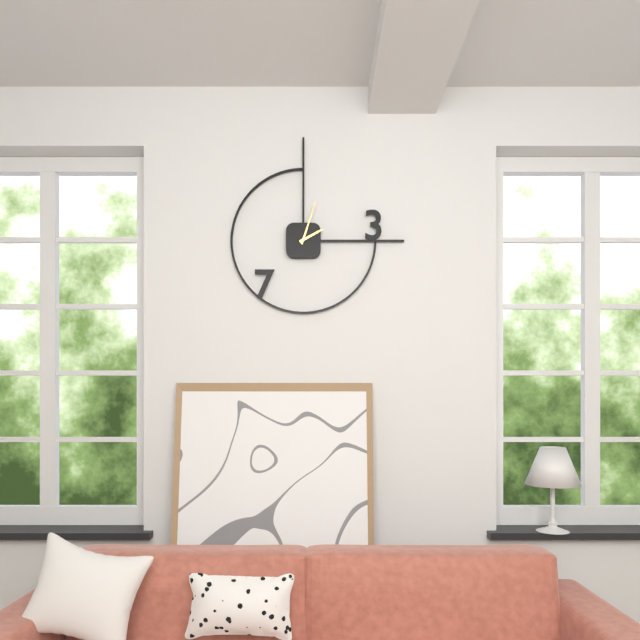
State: 2:03
